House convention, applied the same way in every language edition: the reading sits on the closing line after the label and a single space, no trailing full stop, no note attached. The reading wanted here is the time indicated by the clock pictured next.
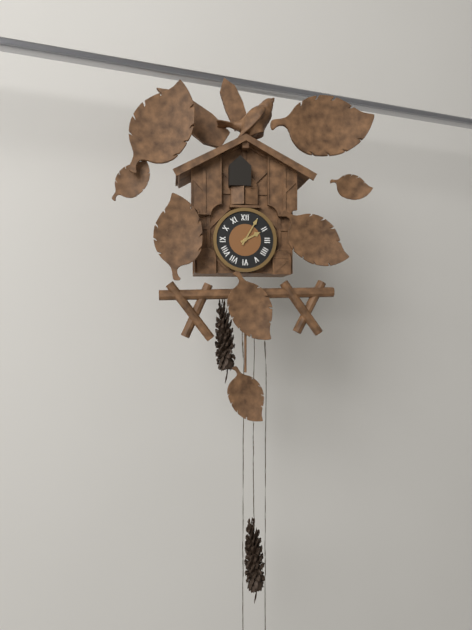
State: 2:05
